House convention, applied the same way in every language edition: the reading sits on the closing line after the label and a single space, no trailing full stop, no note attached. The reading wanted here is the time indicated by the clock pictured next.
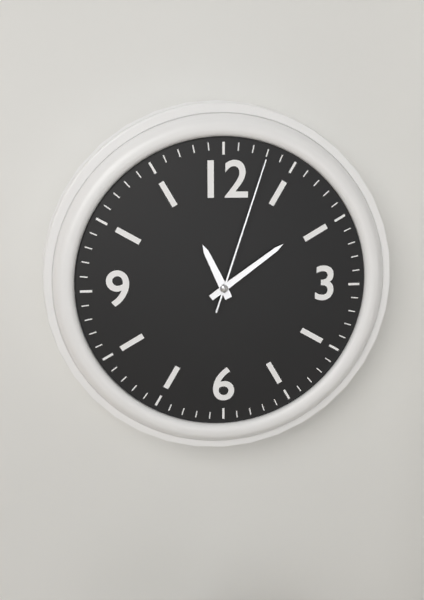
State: 11:09:03
